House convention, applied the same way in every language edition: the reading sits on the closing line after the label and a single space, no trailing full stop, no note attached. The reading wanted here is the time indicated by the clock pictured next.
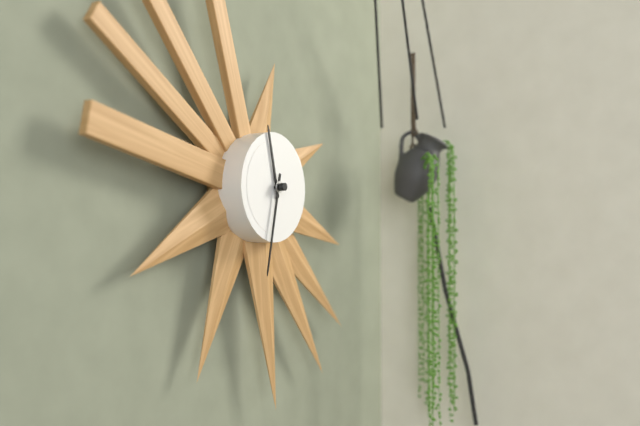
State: 11:32
